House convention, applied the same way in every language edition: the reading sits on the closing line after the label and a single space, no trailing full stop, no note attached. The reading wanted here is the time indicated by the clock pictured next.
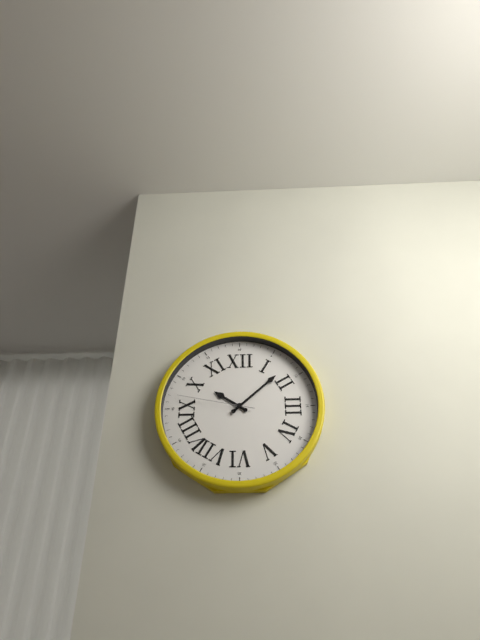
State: 10:08:47
